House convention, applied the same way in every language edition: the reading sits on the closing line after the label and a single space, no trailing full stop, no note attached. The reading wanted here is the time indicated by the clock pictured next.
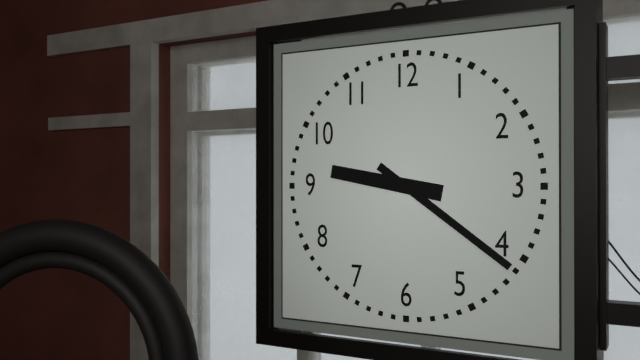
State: 9:21
